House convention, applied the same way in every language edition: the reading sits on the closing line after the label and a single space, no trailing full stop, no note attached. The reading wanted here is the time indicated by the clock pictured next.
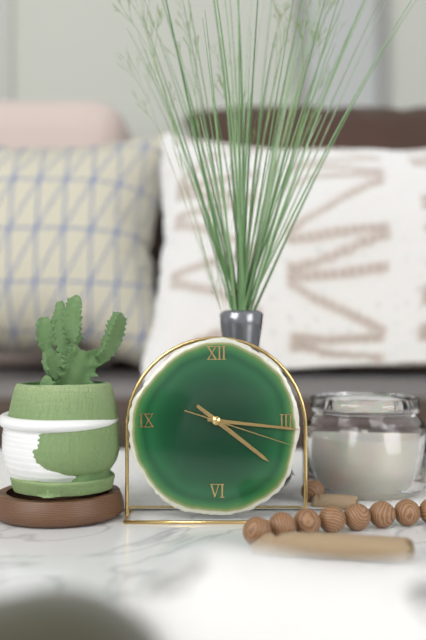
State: 4:16:18
